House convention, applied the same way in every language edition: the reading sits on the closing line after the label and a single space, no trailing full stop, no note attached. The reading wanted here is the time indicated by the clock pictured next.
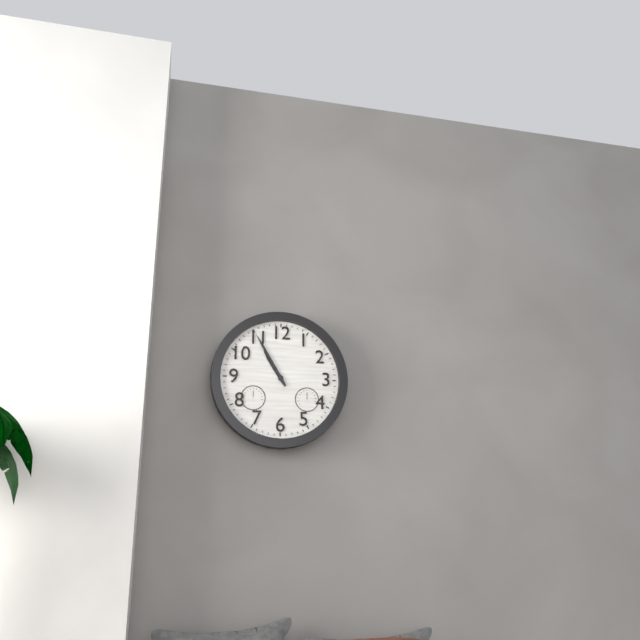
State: 10:55
